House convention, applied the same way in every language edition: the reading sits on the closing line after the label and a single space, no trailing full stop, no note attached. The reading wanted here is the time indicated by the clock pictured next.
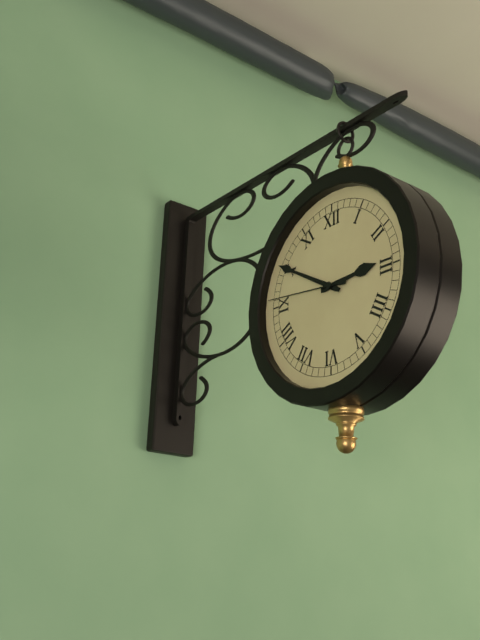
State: 2:50:46
